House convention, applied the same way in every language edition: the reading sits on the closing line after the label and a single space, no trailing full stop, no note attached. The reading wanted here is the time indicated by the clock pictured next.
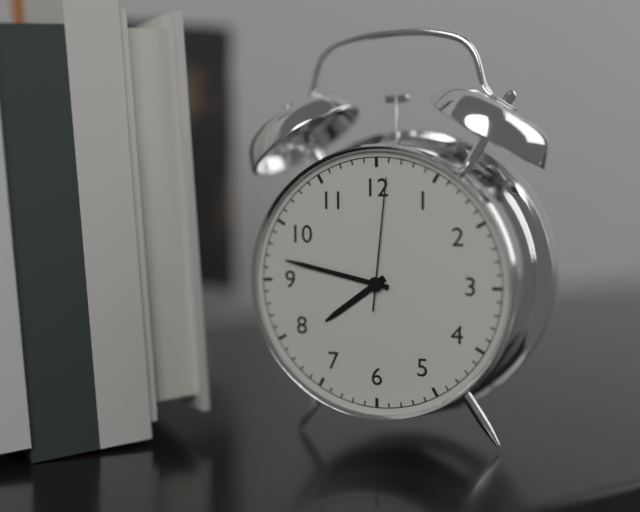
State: 7:47:01
